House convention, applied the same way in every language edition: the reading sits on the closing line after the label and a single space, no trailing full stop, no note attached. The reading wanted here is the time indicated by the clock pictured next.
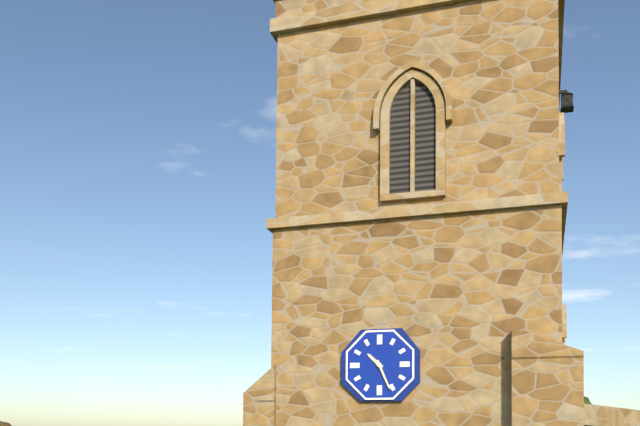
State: 10:26
